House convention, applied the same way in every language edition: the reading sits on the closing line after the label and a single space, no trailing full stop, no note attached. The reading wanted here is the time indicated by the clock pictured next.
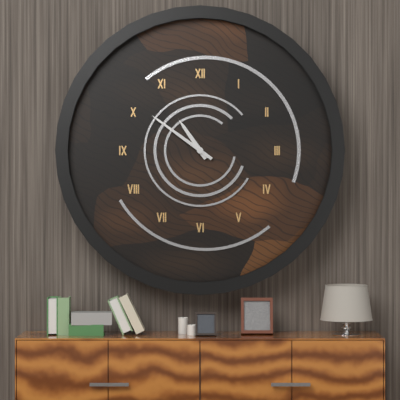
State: 10:51
